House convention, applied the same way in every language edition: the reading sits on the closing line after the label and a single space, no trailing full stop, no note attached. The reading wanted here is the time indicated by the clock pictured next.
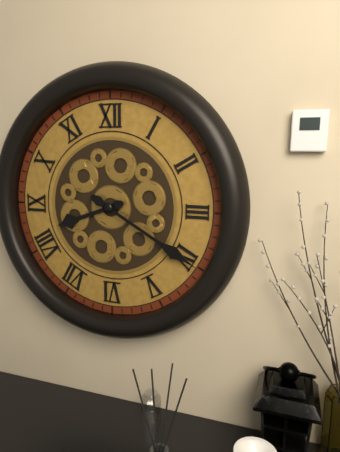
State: 8:20
